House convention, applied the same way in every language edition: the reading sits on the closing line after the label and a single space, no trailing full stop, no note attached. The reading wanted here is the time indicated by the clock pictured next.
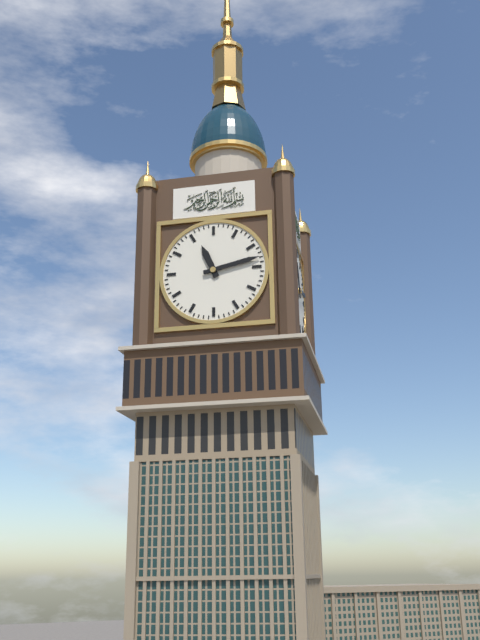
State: 11:13
